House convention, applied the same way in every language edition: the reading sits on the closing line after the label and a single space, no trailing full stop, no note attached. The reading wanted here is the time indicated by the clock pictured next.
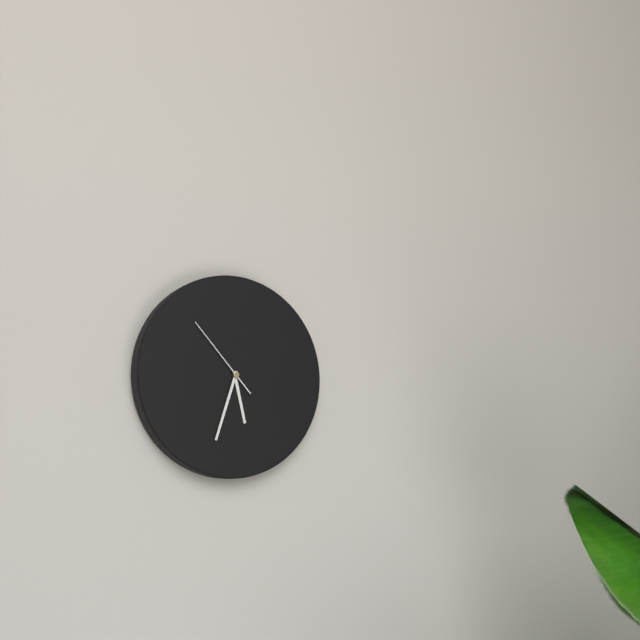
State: 5:33:53
